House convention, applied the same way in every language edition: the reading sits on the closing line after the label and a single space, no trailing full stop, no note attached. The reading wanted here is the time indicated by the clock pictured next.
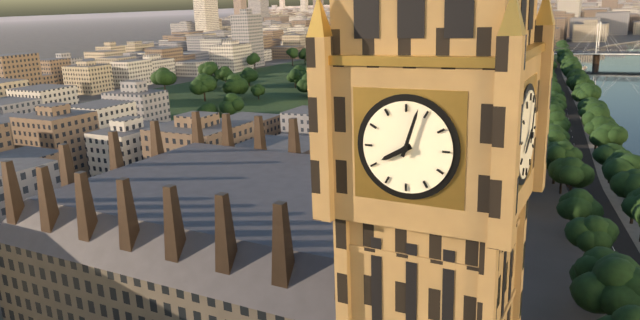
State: 8:03
